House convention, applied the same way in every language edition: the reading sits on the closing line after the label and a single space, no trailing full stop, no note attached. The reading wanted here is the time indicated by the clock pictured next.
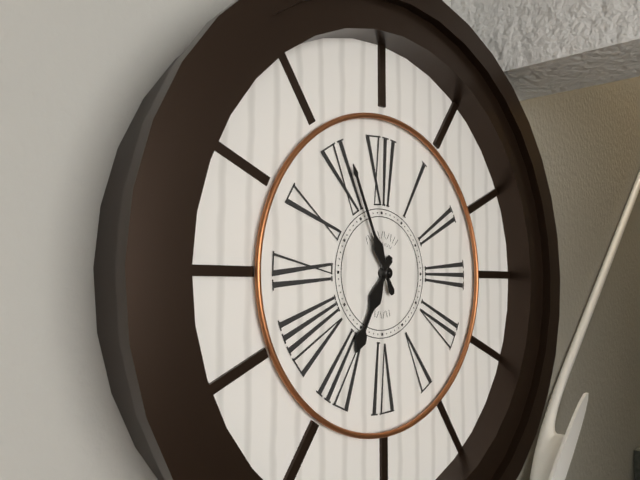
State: 6:56
